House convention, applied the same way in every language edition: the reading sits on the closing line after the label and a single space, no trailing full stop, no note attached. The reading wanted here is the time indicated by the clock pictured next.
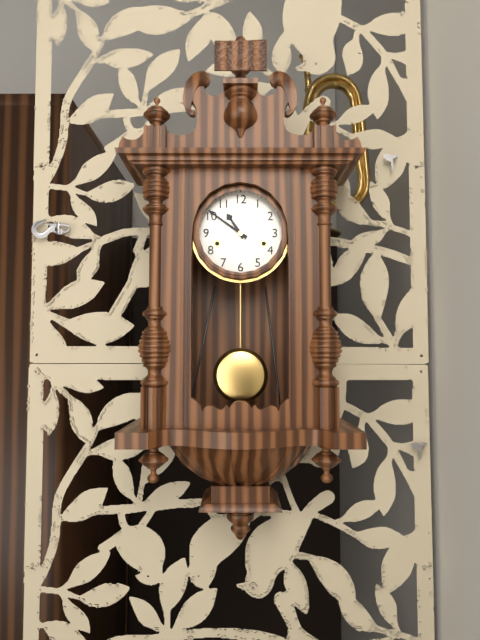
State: 10:51
